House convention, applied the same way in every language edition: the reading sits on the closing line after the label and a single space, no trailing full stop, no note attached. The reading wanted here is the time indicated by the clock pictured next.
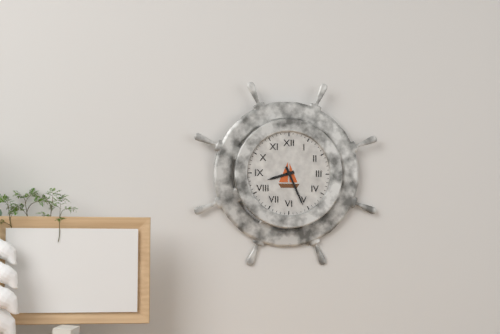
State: 8:26
